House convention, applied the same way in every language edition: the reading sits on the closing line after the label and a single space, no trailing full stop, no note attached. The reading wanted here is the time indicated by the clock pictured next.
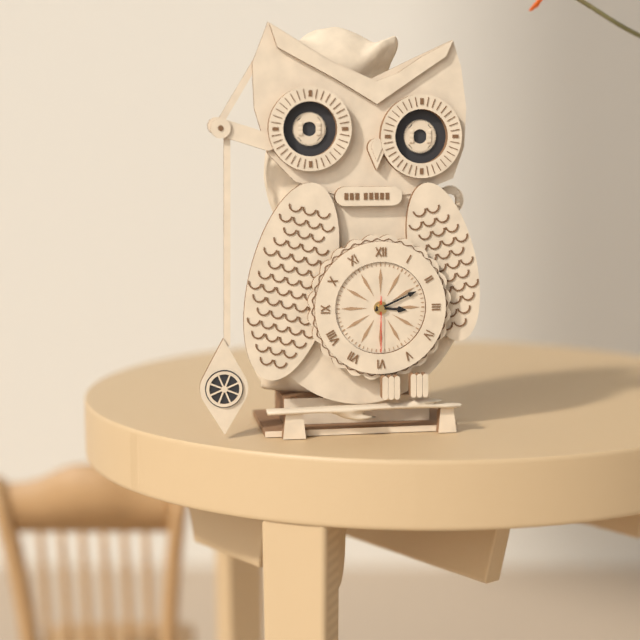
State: 3:11:30
